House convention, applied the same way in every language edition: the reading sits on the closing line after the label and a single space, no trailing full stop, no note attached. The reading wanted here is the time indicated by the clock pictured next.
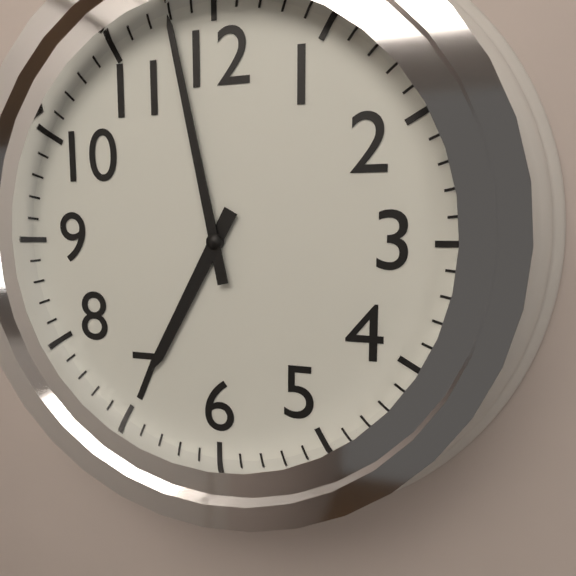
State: 6:58
